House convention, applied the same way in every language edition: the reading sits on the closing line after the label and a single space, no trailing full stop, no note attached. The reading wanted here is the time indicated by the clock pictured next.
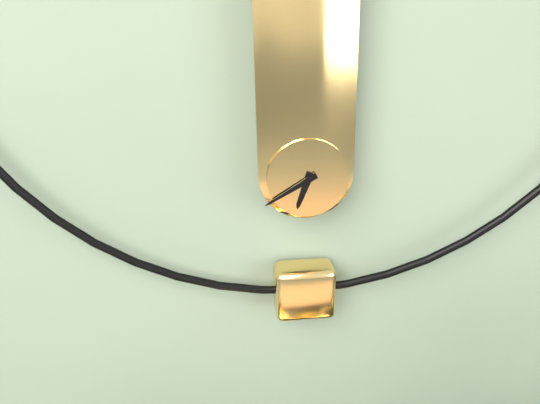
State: 6:40
